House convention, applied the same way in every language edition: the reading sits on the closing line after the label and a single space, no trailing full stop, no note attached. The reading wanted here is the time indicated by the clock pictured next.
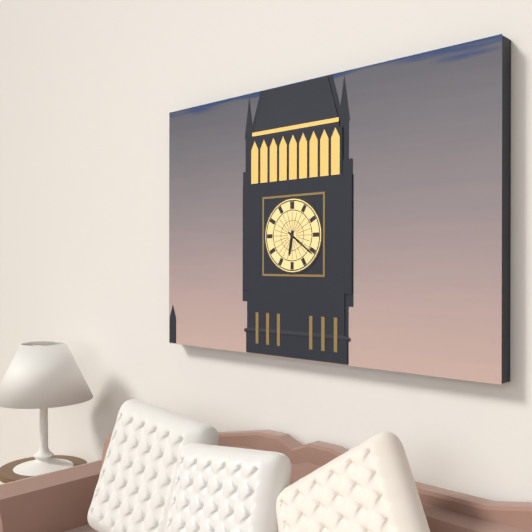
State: 6:21
